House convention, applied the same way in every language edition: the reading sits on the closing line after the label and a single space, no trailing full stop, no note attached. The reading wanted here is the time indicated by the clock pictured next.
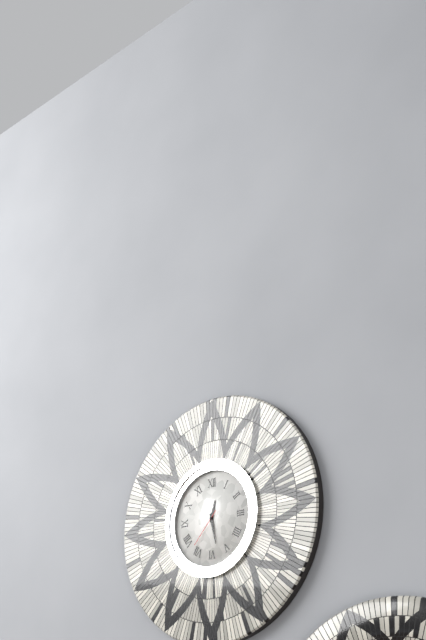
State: 12:28
